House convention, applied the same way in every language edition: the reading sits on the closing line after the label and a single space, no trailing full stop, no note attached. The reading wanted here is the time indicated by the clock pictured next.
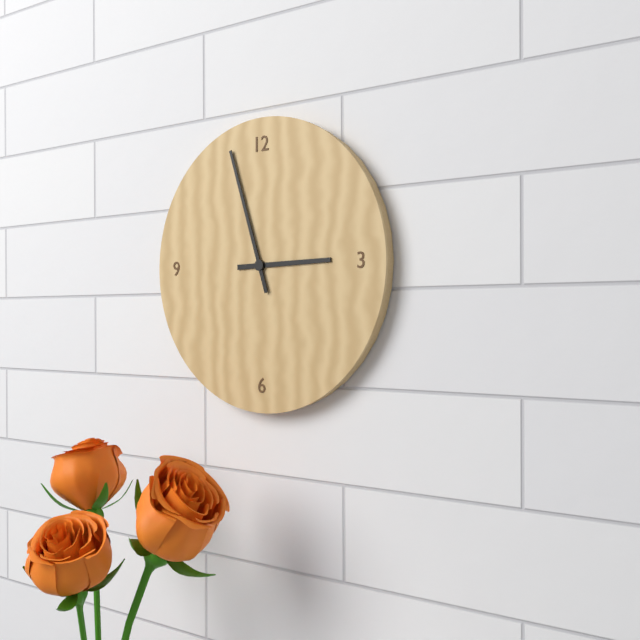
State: 2:57
